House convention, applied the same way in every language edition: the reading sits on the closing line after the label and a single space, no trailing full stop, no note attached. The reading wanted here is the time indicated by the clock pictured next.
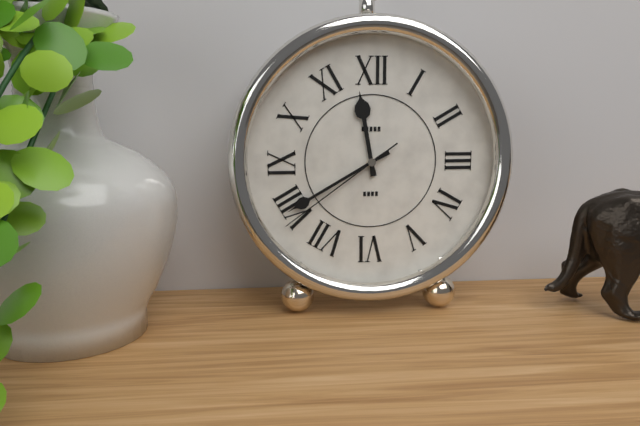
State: 11:40:39
